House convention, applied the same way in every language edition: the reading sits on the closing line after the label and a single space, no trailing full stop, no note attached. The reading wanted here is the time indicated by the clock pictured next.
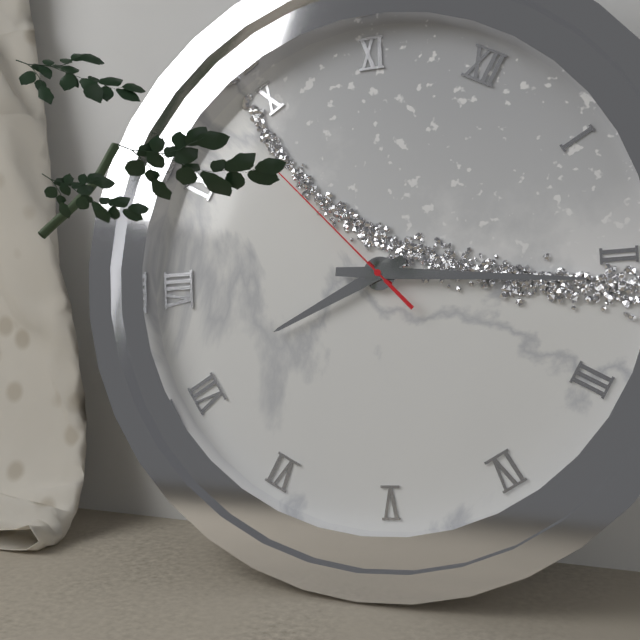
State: 7:11:48
